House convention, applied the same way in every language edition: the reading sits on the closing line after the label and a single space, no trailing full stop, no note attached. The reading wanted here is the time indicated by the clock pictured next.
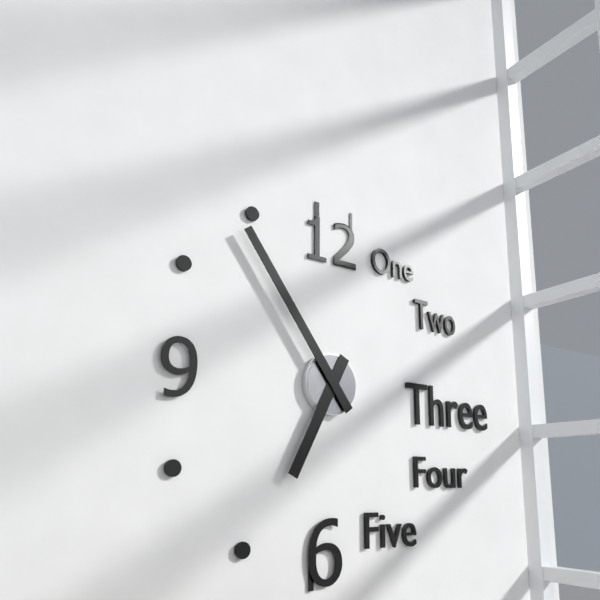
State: 6:54
